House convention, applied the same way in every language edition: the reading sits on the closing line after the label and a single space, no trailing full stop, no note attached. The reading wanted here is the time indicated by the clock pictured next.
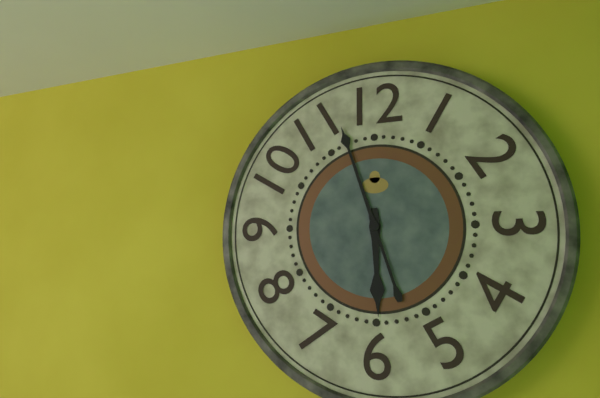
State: 5:57
